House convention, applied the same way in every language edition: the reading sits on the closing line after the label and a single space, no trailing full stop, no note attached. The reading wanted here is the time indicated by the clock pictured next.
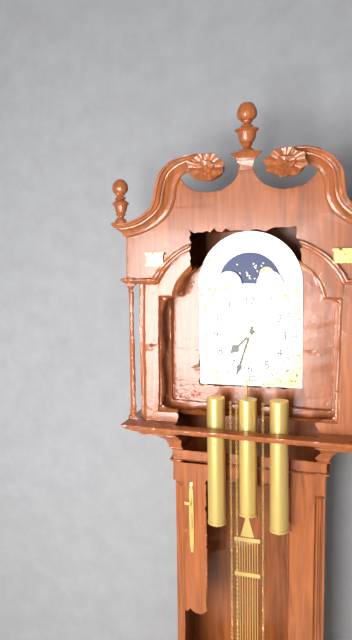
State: 7:33
